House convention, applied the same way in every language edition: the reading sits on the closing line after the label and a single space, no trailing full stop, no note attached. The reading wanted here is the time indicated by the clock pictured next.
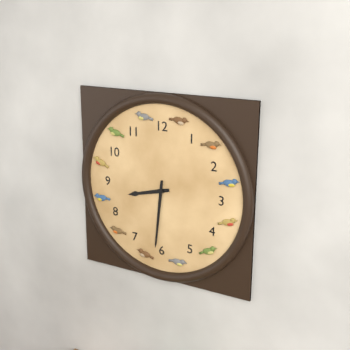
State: 8:31
